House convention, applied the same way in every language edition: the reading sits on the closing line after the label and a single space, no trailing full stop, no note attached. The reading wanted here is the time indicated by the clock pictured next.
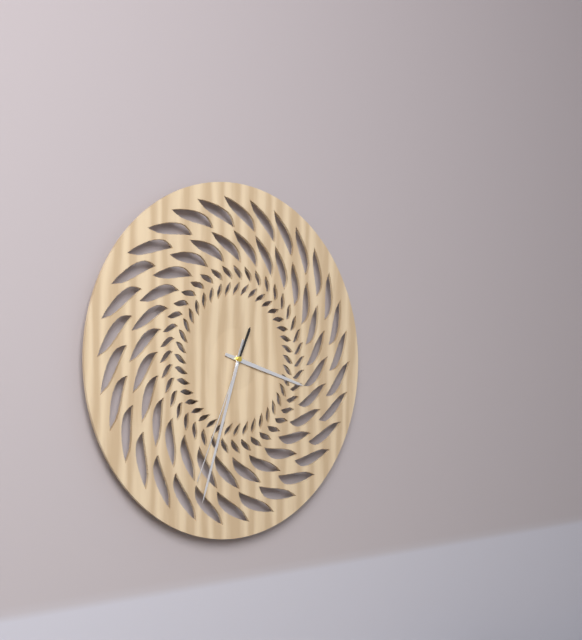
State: 3:33:34
